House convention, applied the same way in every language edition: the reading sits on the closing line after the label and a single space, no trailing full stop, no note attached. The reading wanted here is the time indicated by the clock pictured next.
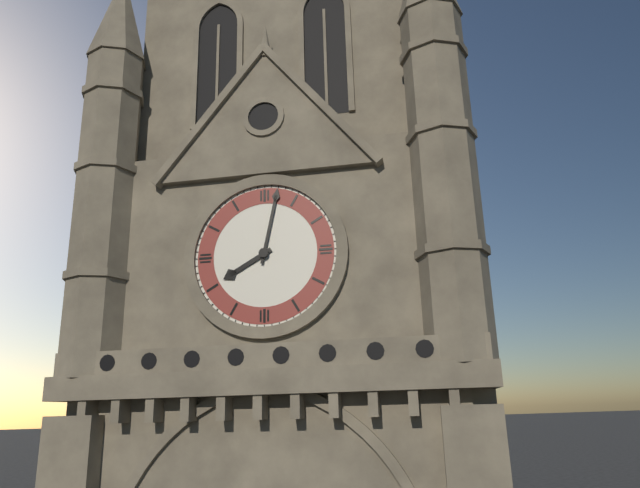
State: 8:02
